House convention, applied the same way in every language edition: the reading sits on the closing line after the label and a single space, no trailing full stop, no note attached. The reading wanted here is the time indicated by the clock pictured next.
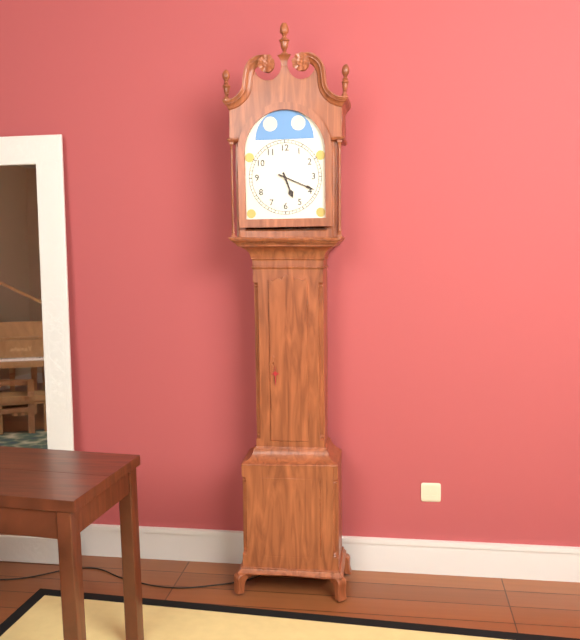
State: 5:19
